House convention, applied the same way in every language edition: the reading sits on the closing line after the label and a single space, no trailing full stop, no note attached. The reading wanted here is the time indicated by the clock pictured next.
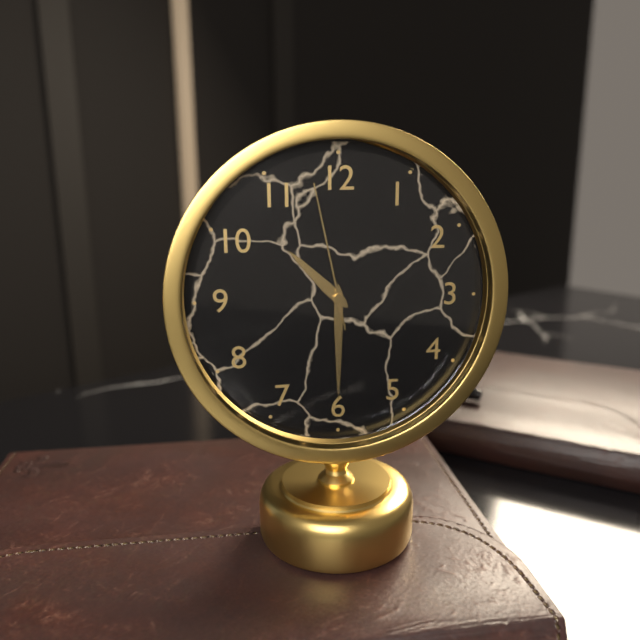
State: 10:30:58
